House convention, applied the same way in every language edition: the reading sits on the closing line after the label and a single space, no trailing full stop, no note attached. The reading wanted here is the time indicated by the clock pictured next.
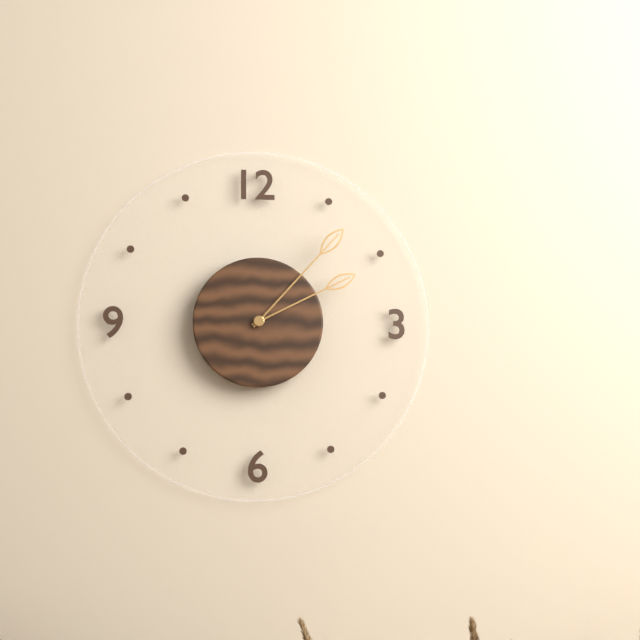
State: 2:07
